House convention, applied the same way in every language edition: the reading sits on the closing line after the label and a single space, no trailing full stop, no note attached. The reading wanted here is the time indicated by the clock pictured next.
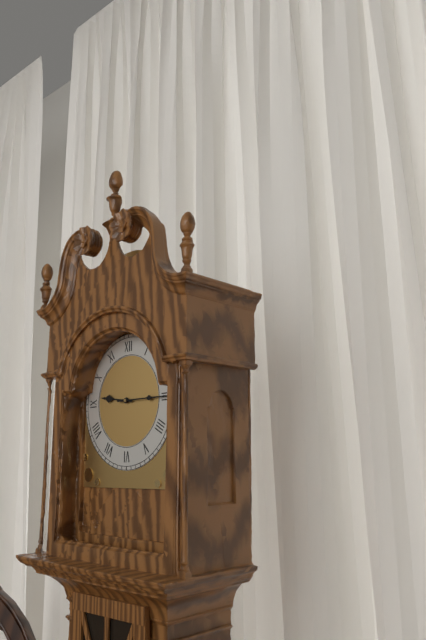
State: 9:15
